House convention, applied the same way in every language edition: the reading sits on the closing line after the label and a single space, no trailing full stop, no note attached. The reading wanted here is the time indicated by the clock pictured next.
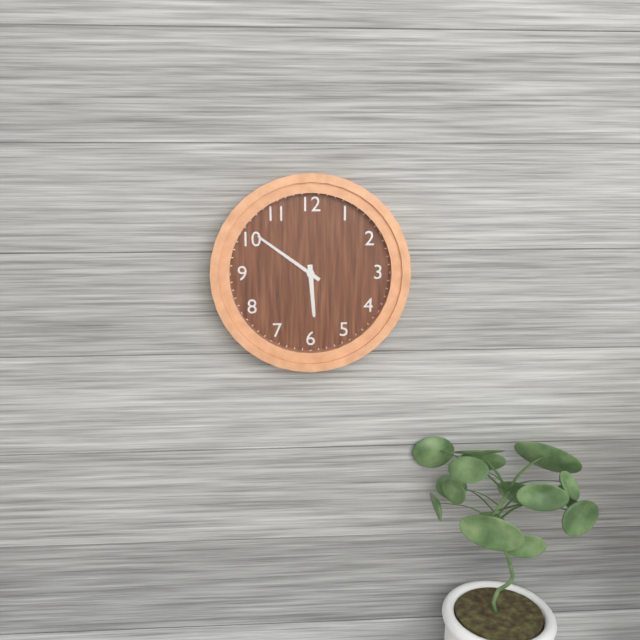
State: 5:51
